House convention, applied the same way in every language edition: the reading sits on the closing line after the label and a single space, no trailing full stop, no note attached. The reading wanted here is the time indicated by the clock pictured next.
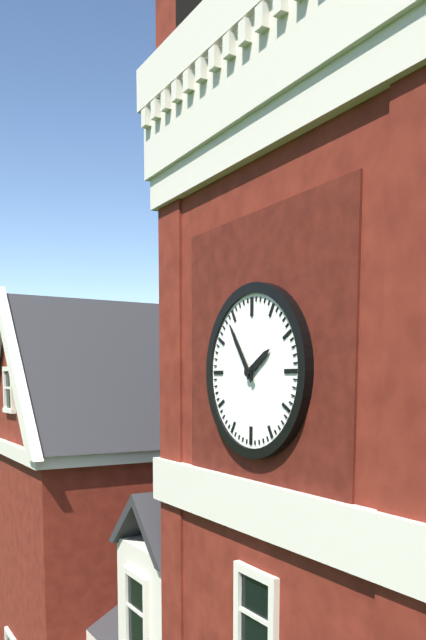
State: 1:54
